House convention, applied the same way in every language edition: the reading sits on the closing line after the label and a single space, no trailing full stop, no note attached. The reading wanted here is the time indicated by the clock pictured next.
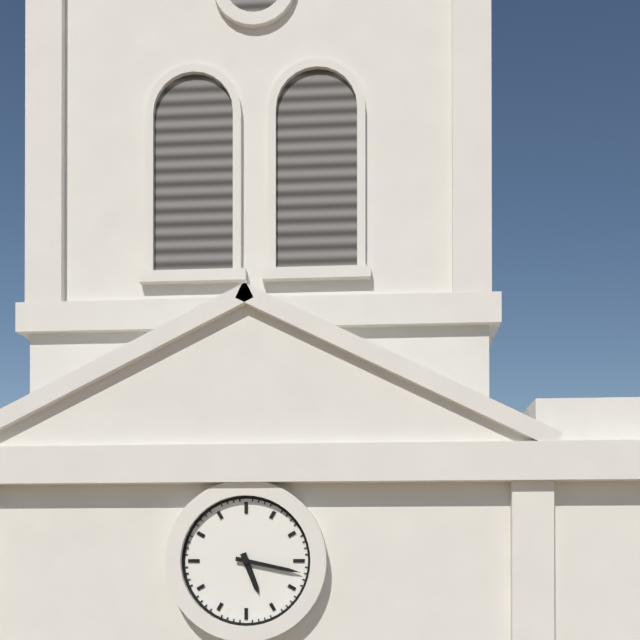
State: 5:17
